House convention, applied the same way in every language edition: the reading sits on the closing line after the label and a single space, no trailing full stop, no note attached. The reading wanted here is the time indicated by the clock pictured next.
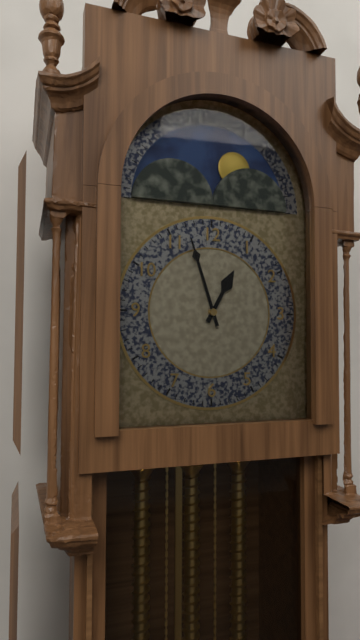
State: 12:57
